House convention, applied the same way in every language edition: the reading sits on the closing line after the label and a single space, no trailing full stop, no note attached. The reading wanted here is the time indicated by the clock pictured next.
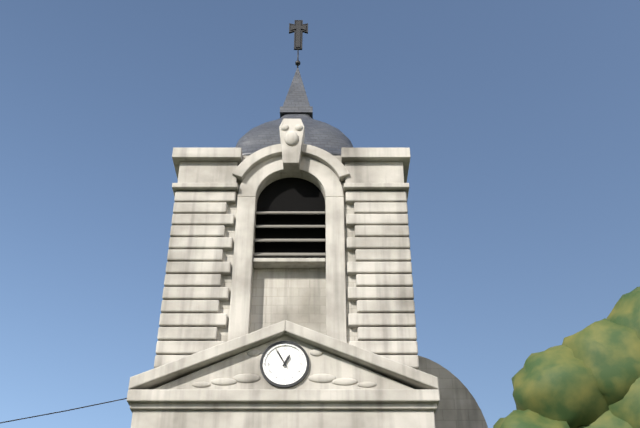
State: 12:55
